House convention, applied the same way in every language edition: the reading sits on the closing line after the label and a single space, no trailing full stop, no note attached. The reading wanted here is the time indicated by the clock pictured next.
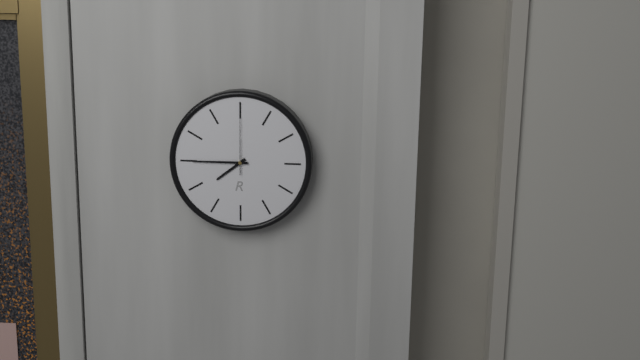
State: 7:45:00
